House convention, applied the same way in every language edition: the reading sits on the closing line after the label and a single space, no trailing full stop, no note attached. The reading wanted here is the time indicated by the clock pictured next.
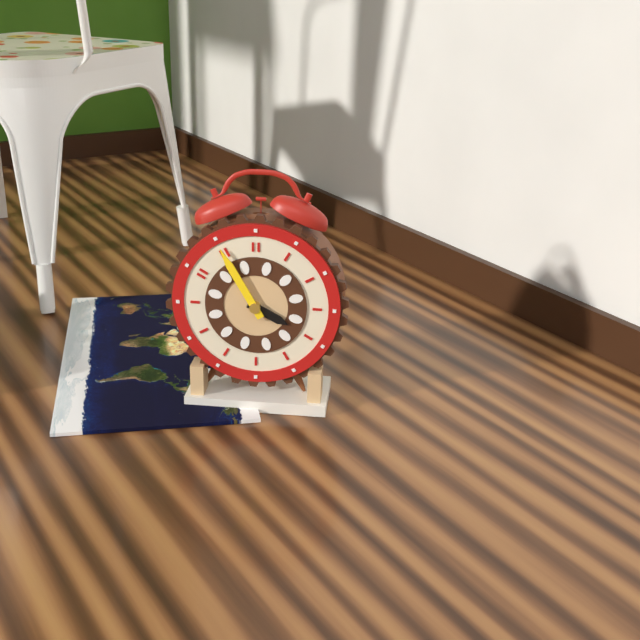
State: 3:55
